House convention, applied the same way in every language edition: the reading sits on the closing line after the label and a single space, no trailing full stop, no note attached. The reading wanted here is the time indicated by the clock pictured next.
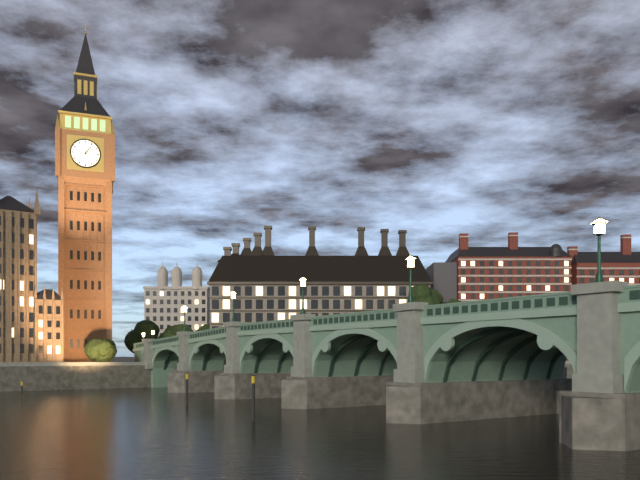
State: 1:06
